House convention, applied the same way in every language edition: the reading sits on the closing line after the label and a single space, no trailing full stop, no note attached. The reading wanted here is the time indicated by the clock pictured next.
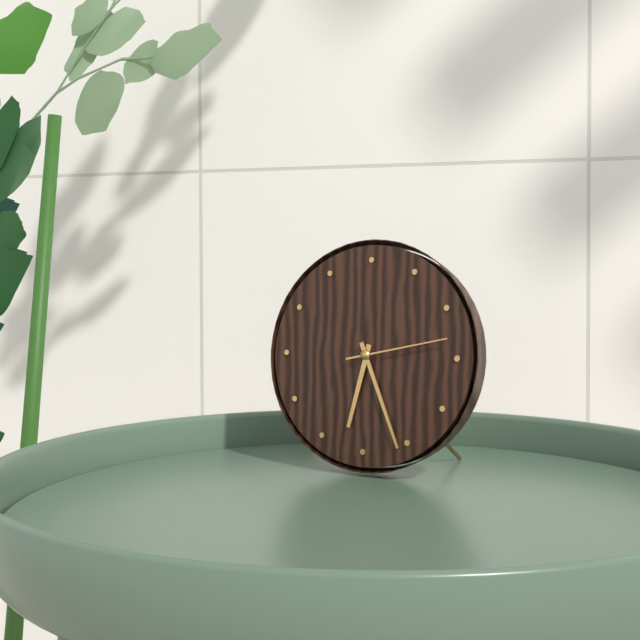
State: 6:26:13
